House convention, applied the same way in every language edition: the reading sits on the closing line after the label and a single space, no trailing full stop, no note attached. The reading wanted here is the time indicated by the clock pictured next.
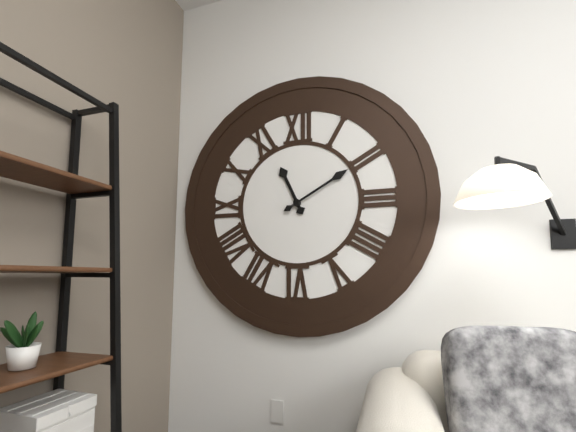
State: 11:10
